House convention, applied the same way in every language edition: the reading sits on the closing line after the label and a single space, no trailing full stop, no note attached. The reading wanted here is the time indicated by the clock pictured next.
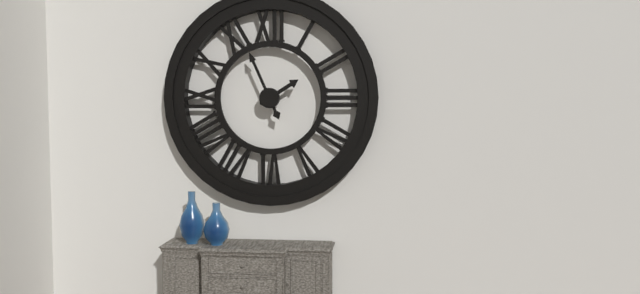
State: 1:56
